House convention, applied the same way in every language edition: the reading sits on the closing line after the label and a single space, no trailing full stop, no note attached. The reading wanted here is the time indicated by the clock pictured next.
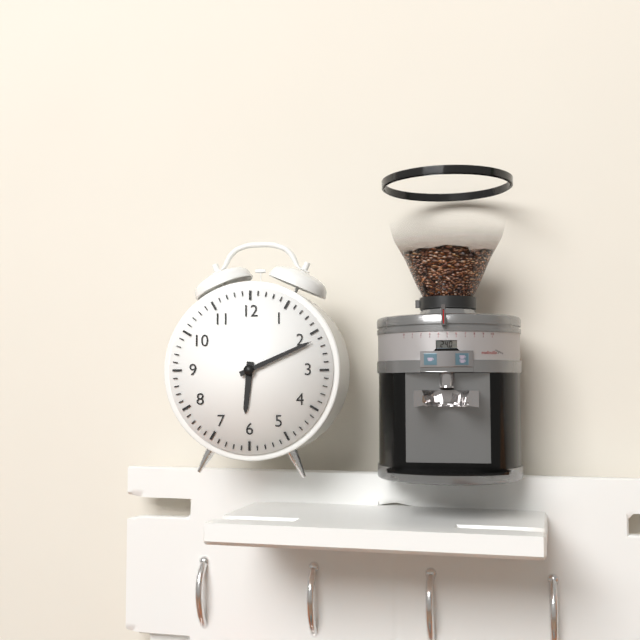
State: 6:11
